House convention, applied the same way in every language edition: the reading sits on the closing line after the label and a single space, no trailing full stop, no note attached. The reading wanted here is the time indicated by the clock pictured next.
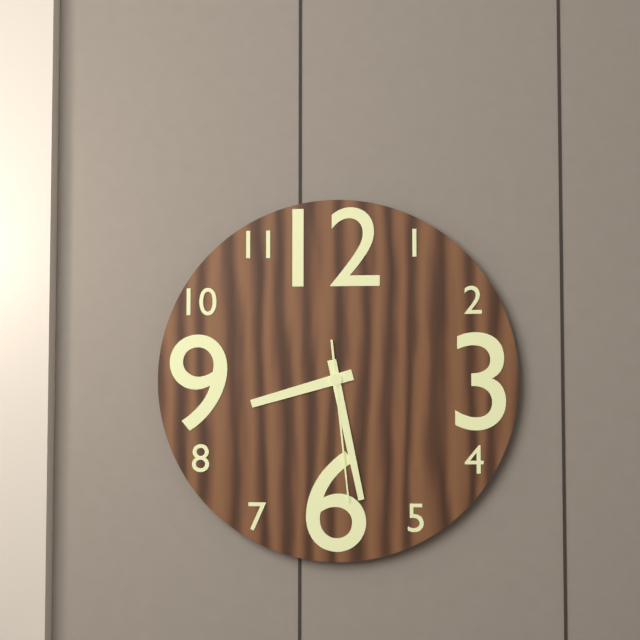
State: 8:28:29
